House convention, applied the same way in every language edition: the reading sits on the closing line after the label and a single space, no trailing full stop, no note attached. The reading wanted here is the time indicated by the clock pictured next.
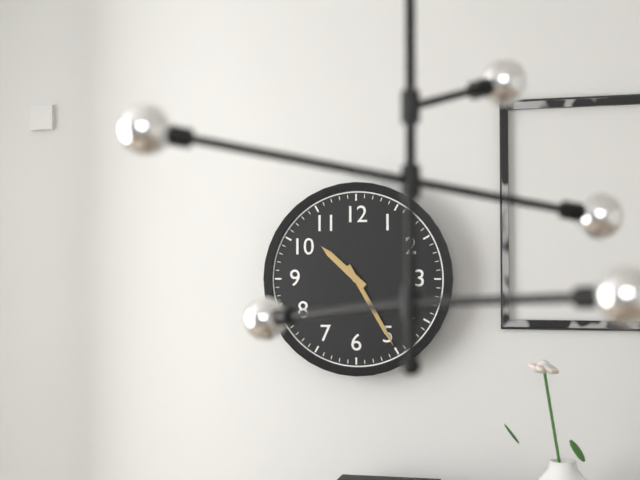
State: 10:25
